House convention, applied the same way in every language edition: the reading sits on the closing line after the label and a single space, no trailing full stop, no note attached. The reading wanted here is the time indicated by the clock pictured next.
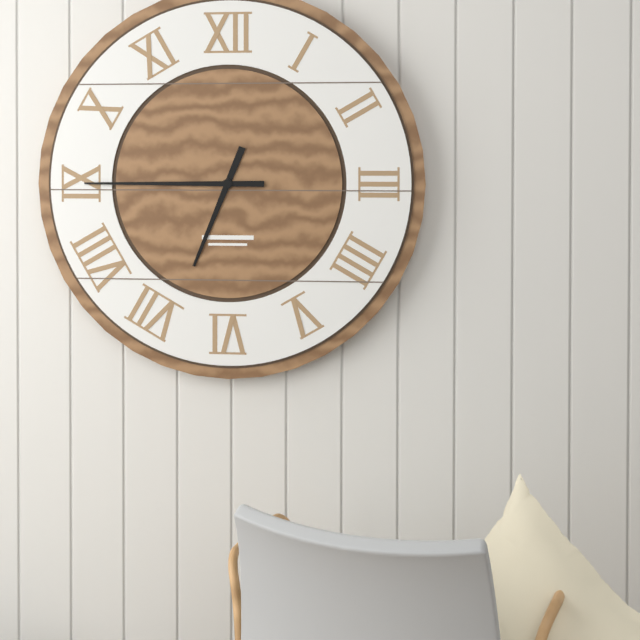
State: 6:45
